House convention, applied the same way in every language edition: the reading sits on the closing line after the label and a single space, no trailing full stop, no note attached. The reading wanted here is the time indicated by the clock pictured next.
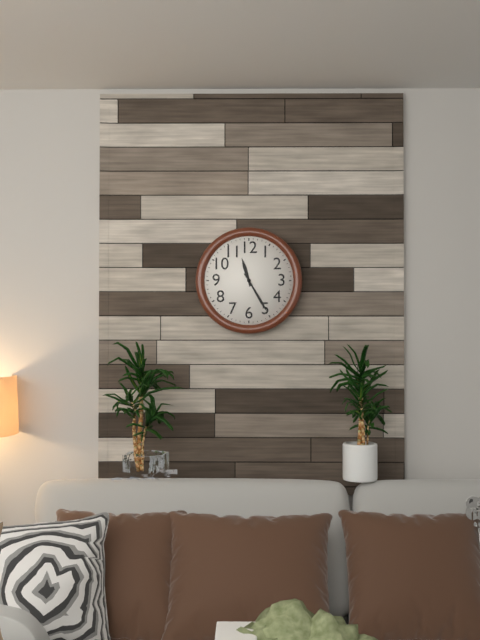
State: 11:25
